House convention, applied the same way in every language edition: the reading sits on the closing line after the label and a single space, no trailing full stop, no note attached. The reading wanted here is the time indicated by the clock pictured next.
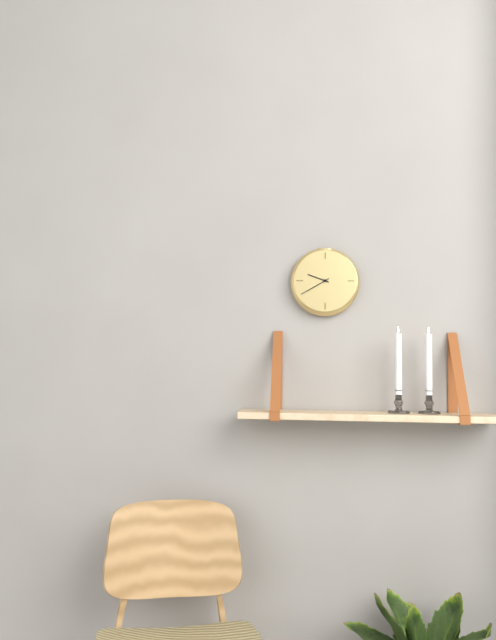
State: 9:40
